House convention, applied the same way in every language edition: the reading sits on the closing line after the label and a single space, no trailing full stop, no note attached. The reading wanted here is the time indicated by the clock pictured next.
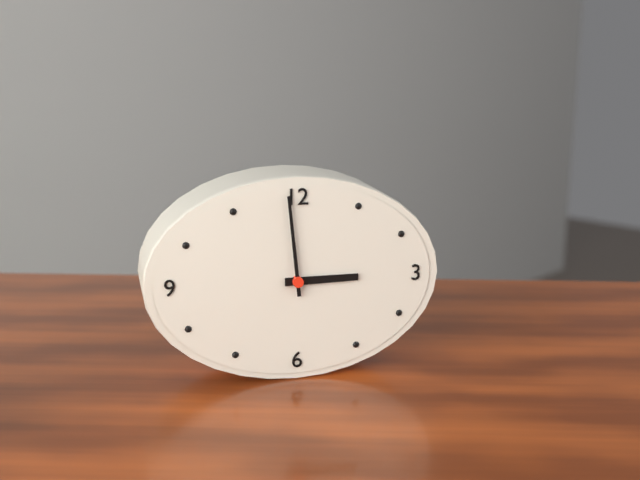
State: 2:59
